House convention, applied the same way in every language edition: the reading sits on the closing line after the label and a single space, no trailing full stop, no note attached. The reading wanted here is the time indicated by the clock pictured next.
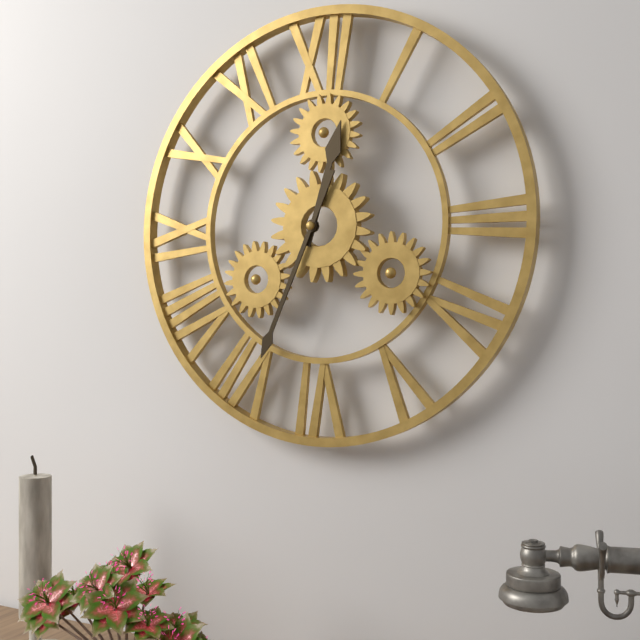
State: 12:34
